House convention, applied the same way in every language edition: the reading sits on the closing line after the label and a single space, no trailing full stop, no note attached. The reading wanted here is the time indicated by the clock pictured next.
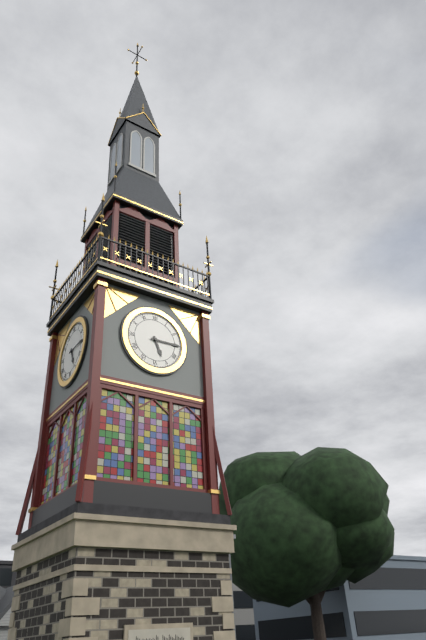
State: 5:15
